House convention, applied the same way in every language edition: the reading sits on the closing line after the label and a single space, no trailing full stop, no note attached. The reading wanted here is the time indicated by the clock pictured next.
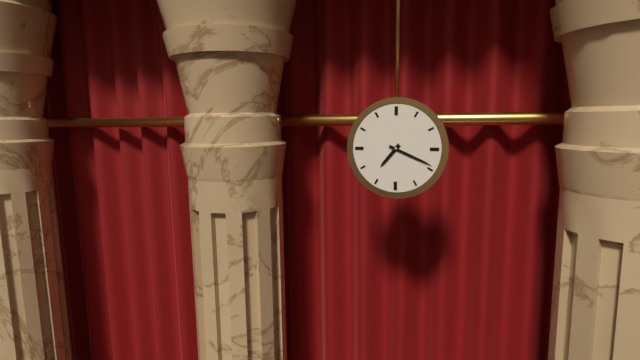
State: 7:19
